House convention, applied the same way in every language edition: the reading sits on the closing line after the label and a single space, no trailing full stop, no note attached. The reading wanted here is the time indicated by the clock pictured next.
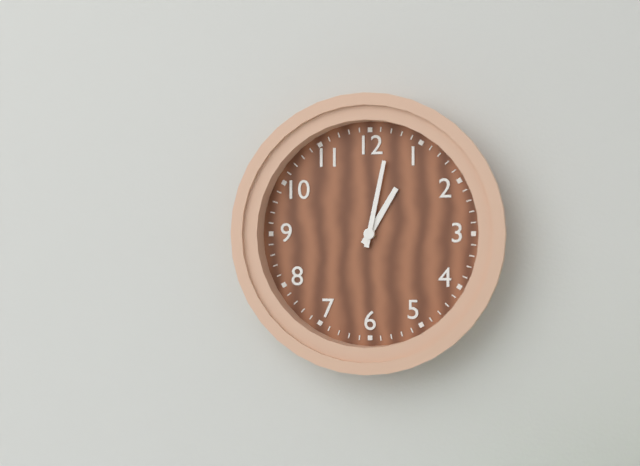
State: 1:02
